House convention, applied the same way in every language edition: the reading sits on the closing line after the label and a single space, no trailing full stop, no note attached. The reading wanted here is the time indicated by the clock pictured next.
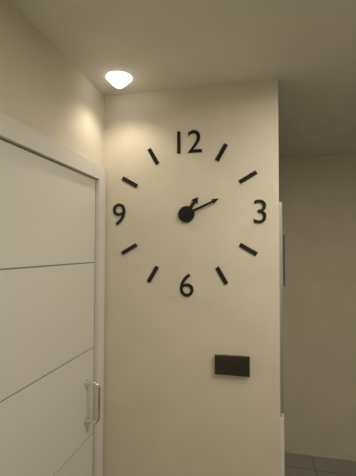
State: 1:11
